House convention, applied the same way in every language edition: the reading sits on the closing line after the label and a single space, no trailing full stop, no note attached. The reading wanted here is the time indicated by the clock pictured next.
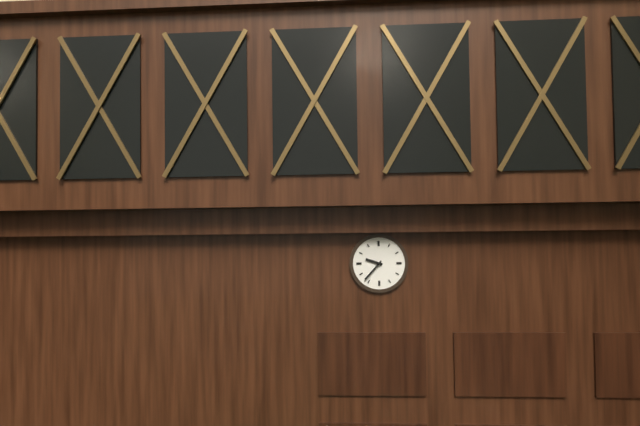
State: 9:37
